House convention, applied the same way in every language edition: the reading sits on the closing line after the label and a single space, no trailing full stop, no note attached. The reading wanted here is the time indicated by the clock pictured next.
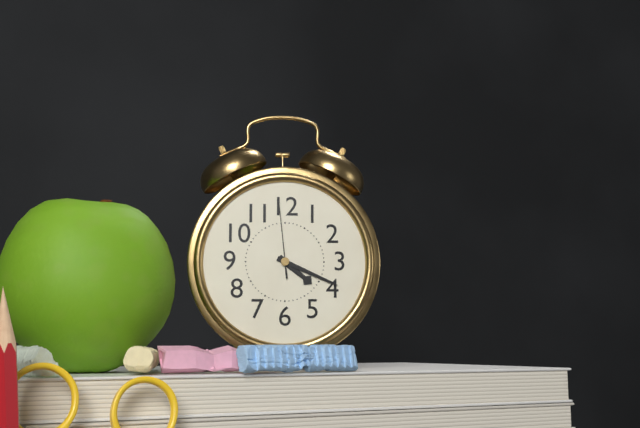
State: 4:19:59
